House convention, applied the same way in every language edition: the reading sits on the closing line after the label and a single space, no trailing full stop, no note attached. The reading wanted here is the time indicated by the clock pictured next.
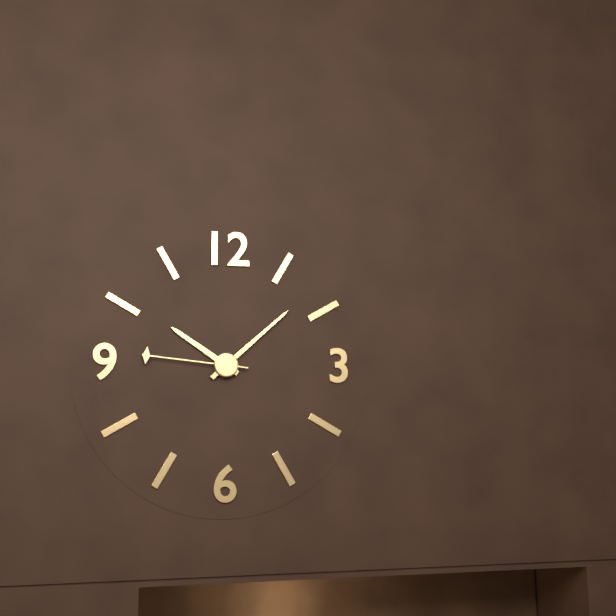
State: 10:08:46
